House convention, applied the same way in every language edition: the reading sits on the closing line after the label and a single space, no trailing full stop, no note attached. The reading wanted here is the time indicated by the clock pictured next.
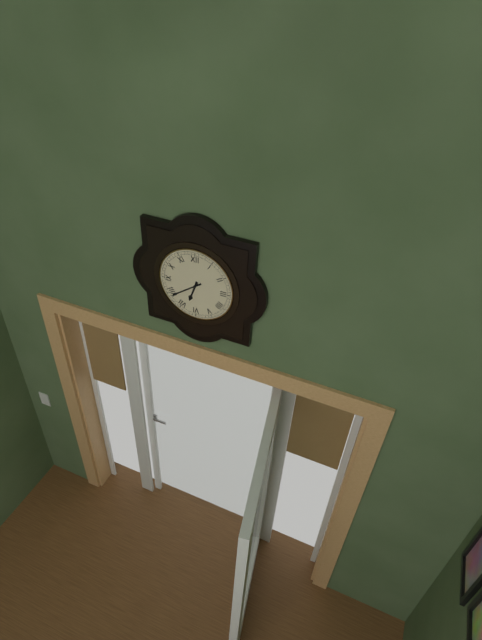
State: 6:39
